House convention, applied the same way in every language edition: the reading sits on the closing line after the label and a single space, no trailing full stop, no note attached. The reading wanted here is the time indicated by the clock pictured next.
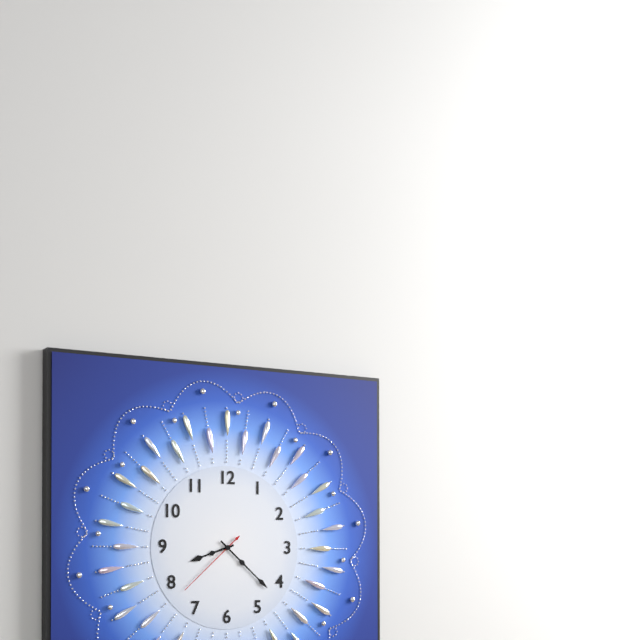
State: 8:22:38
